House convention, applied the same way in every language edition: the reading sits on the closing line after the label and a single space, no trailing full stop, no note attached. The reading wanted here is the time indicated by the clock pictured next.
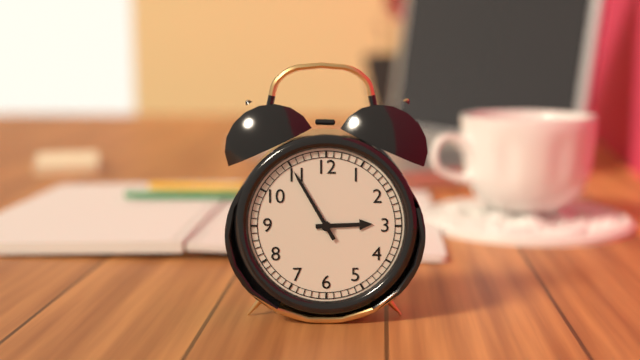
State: 2:55
